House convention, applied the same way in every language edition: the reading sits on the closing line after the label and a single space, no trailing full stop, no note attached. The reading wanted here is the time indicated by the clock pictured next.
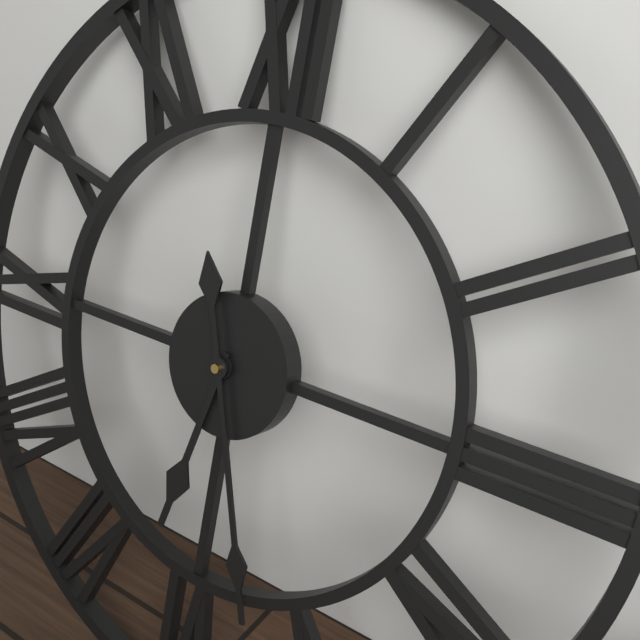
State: 6:27
